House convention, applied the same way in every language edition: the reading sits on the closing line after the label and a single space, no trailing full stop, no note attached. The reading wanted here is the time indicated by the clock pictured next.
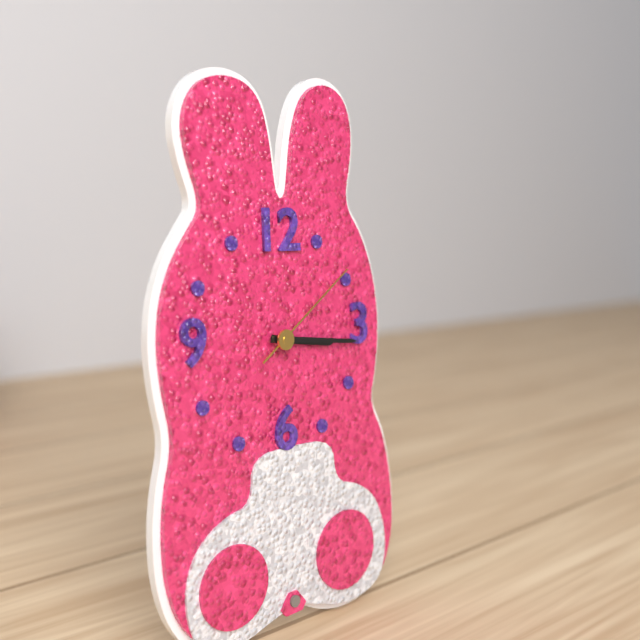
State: 3:16:09
